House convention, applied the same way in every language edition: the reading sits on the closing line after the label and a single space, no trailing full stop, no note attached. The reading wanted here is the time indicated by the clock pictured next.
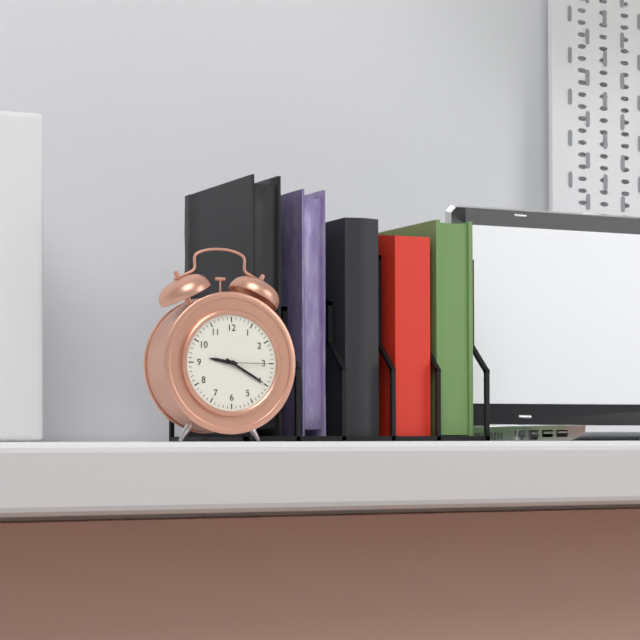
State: 9:20
